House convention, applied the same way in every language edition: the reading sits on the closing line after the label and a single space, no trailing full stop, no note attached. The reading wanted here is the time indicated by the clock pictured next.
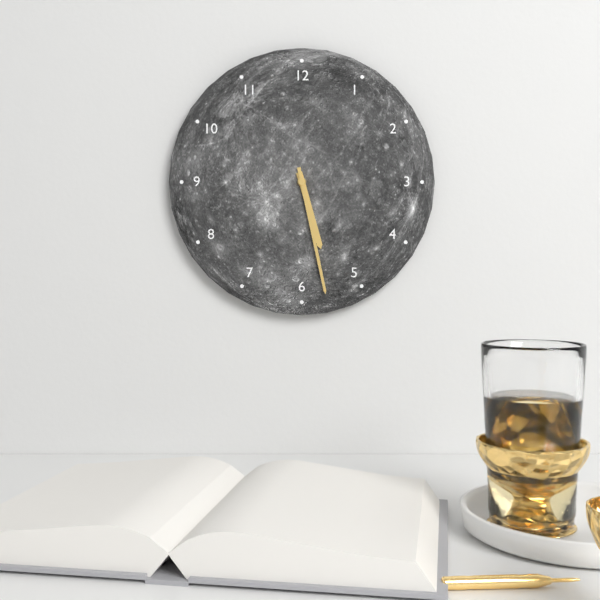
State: 5:28
